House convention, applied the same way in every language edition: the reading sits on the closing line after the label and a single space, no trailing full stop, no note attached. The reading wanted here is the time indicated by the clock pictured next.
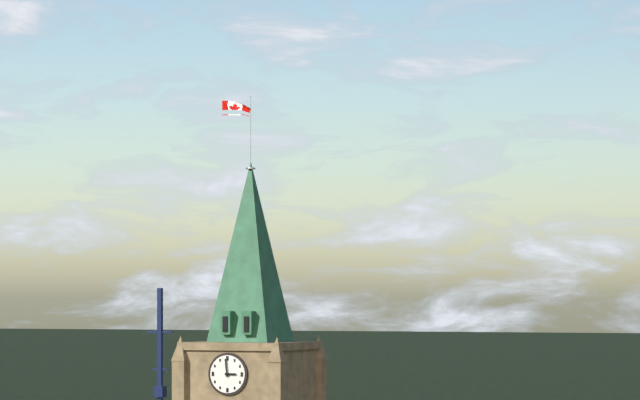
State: 2:59
